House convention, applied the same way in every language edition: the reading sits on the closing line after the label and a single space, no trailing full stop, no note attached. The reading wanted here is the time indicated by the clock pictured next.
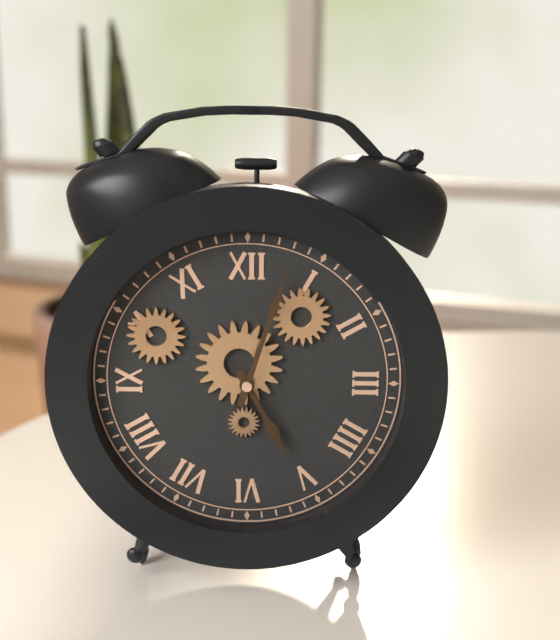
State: 5:03
